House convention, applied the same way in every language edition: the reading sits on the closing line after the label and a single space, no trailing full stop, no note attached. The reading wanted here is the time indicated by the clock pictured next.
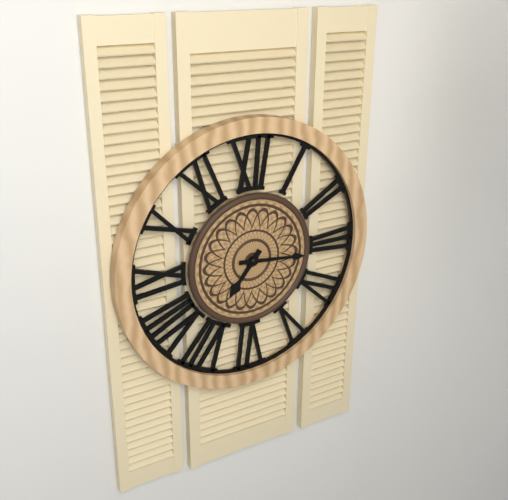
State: 7:16
